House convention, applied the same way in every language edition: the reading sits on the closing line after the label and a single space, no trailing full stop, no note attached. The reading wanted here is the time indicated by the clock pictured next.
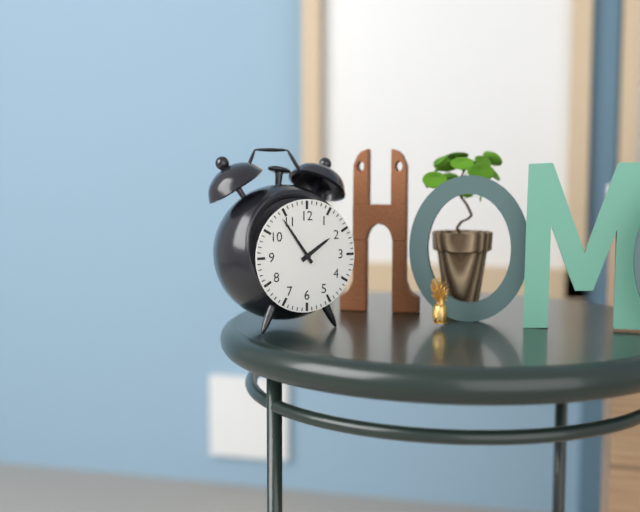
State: 1:54
